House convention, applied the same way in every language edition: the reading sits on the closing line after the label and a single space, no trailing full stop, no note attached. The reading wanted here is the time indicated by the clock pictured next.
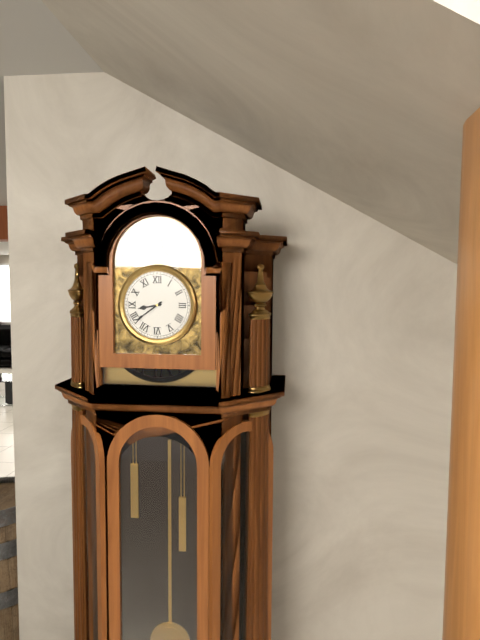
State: 8:39
